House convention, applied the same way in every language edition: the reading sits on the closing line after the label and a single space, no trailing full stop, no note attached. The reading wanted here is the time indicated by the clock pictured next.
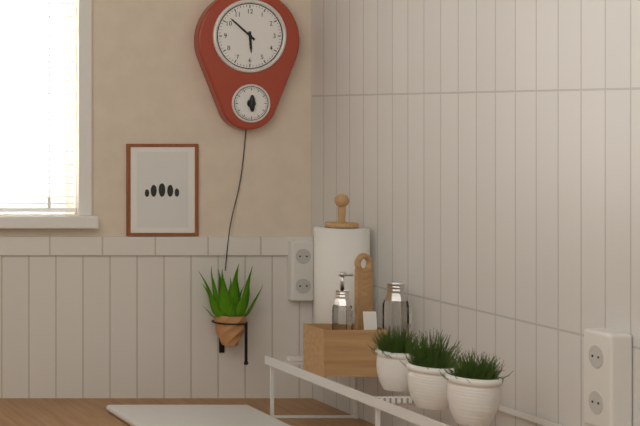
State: 5:52
